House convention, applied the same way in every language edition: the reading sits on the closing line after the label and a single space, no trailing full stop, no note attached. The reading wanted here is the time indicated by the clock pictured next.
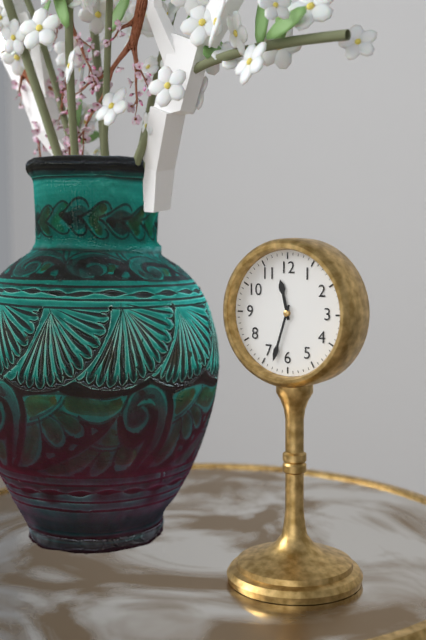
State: 11:33
